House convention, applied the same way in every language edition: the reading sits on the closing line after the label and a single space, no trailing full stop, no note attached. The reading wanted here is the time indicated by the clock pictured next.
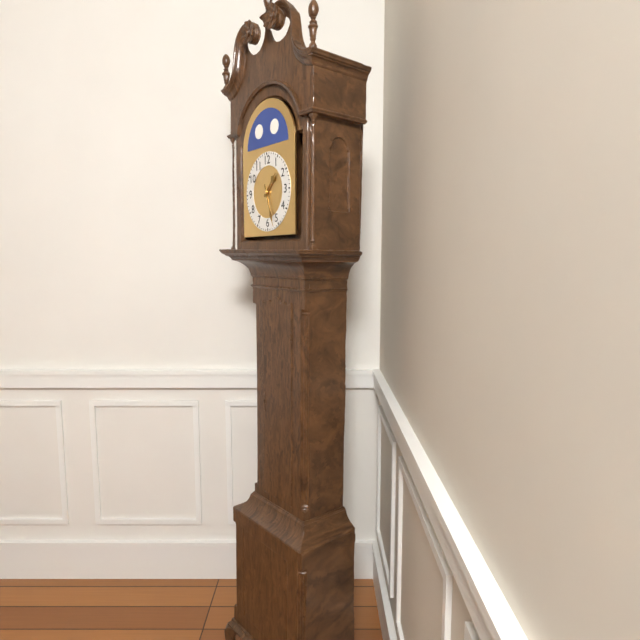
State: 1:27
